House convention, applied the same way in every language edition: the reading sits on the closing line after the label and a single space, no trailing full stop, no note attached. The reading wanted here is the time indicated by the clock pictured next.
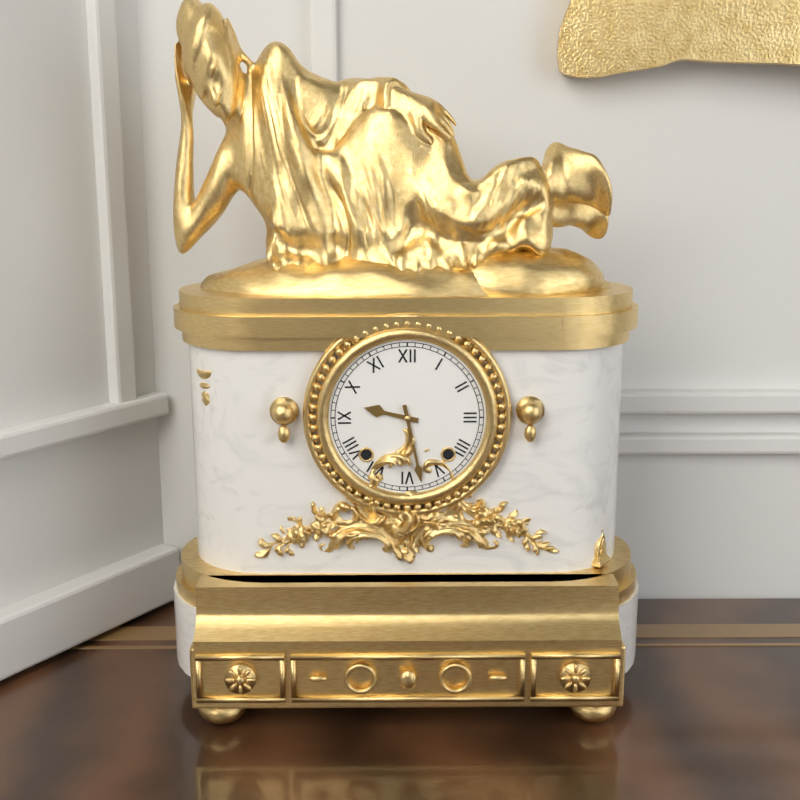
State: 9:28
